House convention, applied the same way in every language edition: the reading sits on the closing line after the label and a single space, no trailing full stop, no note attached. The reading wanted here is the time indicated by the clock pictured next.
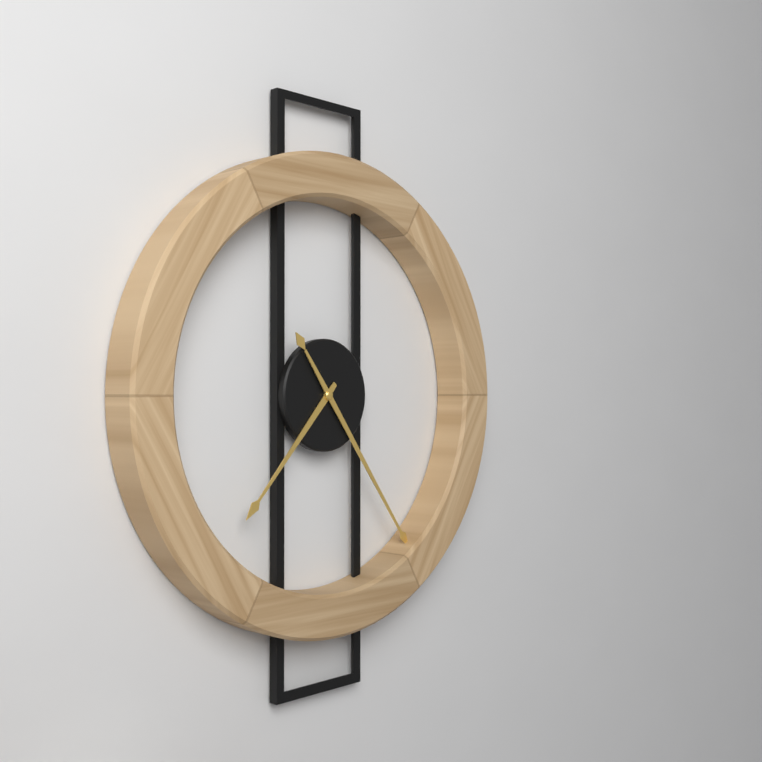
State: 7:24
